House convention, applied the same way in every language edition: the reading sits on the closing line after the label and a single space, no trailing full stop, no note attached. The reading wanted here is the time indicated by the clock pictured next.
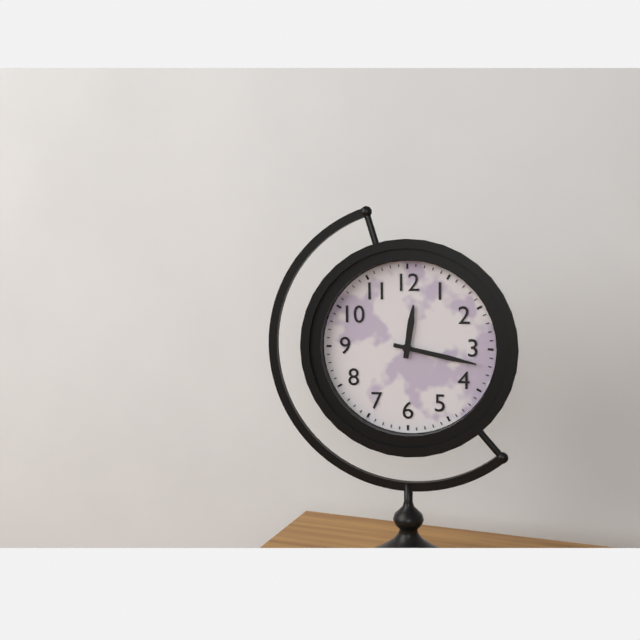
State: 12:17
